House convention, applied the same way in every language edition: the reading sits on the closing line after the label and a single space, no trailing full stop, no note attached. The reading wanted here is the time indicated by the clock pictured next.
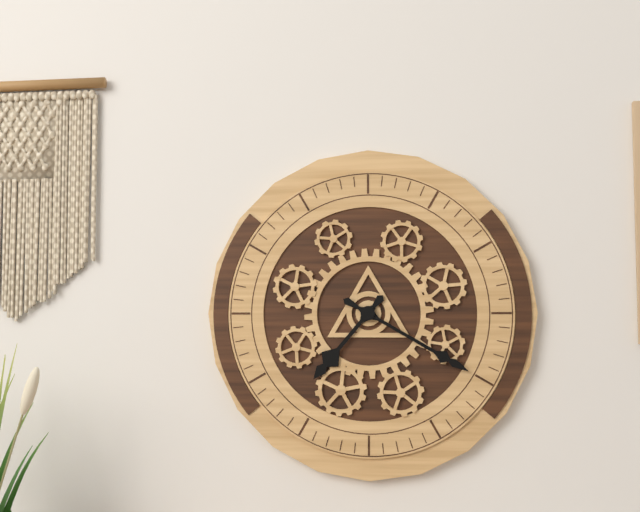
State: 7:20
